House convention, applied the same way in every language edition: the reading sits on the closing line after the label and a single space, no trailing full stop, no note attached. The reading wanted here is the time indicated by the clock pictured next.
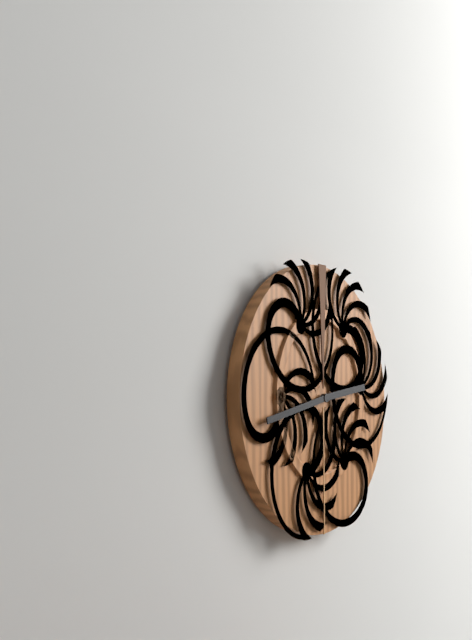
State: 2:43
